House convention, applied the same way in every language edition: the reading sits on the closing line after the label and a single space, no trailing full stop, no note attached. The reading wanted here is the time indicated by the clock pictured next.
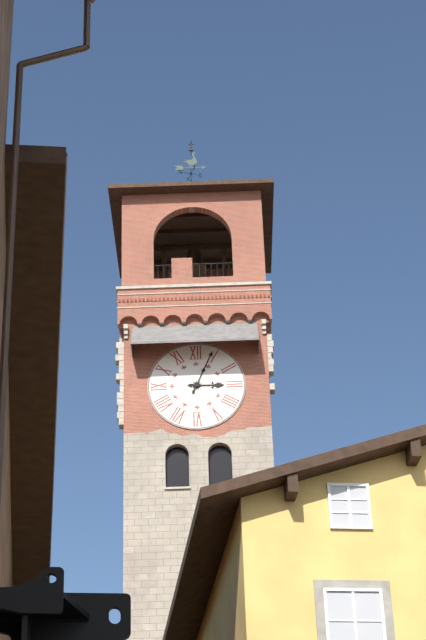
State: 3:04
